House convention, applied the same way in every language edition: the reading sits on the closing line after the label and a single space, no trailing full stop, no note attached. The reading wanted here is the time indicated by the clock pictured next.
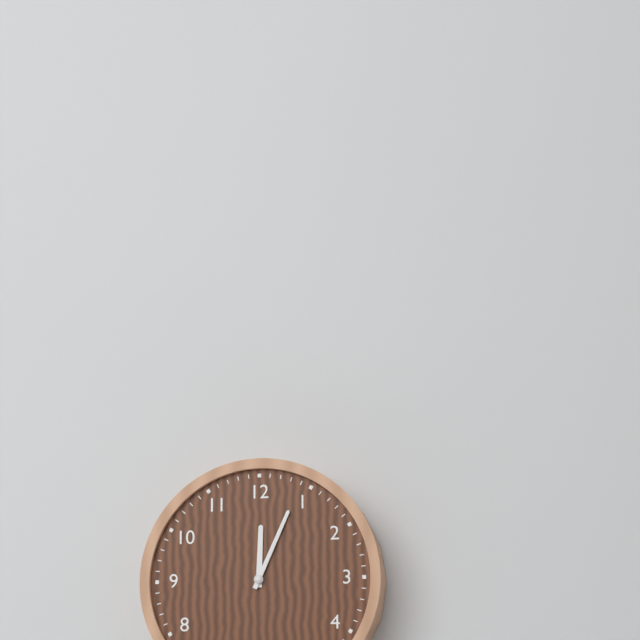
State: 12:04
